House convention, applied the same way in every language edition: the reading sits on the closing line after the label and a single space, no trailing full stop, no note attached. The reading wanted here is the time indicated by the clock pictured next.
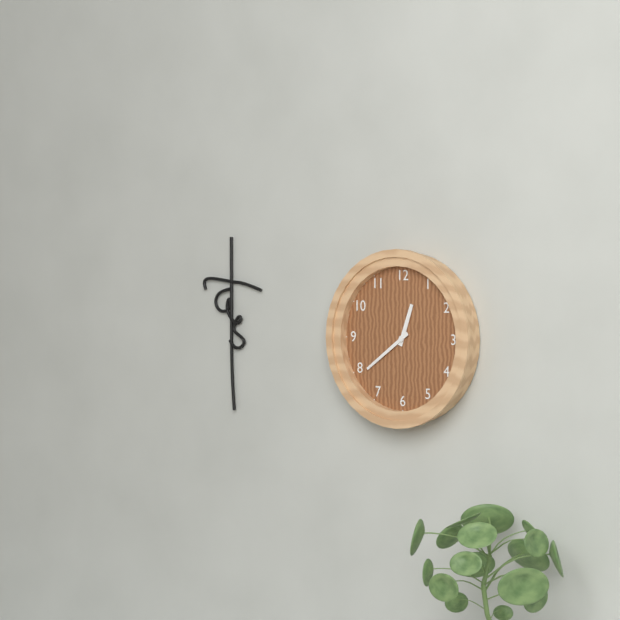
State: 12:39
